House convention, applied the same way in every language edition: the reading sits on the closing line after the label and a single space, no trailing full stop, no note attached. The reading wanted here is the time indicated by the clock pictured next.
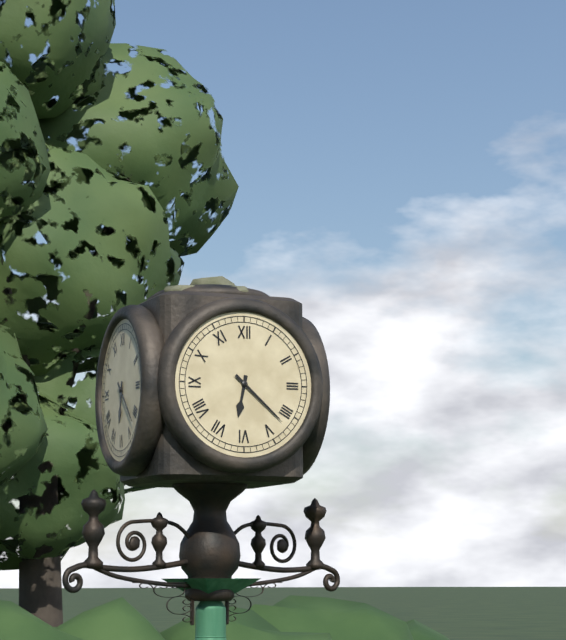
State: 6:22
